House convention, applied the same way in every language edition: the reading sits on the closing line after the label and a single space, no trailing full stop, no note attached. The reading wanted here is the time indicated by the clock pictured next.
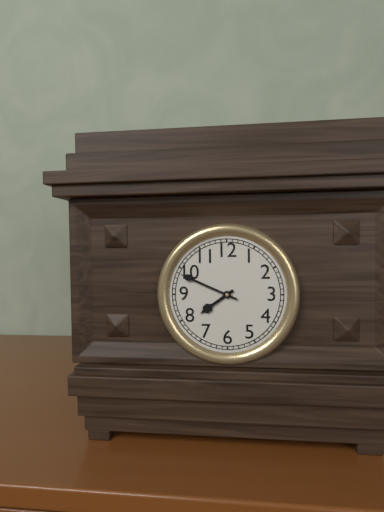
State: 7:49
